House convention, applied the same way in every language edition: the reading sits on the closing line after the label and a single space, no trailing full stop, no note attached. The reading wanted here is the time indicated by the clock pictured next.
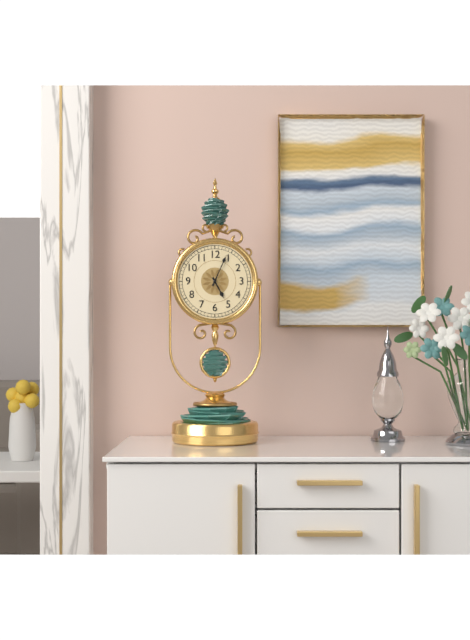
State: 5:04
